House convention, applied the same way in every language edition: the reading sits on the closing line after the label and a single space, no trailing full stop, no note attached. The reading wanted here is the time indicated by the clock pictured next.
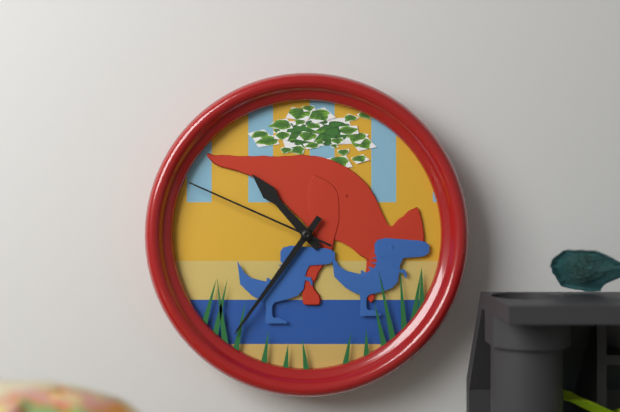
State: 10:36:49
